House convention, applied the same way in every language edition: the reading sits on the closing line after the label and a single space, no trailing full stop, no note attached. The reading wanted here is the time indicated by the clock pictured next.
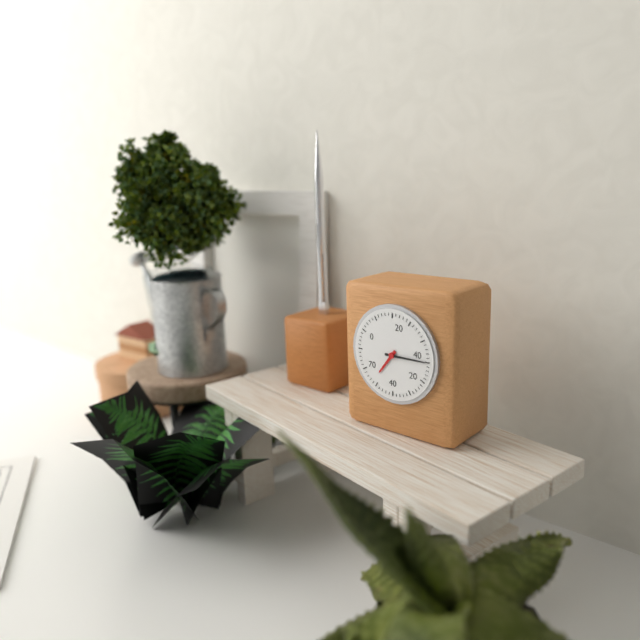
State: 7:15
